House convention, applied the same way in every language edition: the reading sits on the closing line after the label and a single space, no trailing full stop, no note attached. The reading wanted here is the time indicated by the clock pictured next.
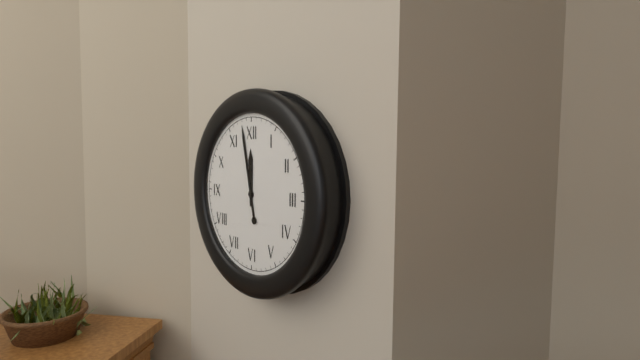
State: 11:58
